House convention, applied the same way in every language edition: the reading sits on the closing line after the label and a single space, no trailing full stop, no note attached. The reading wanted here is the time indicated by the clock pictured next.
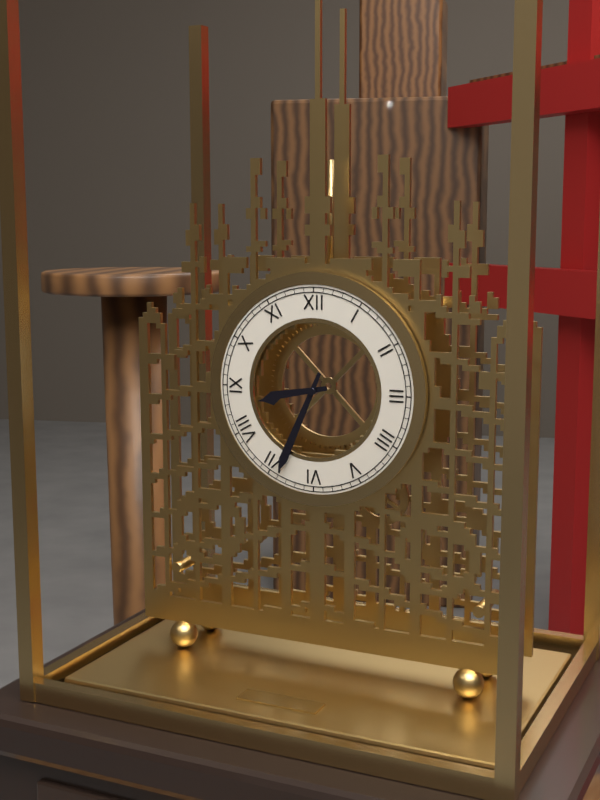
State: 8:34
